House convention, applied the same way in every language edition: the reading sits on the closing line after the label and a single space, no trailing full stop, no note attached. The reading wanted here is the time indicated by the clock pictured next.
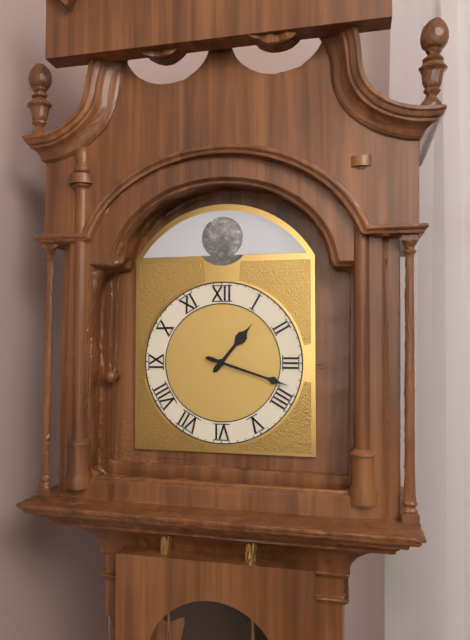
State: 1:18
